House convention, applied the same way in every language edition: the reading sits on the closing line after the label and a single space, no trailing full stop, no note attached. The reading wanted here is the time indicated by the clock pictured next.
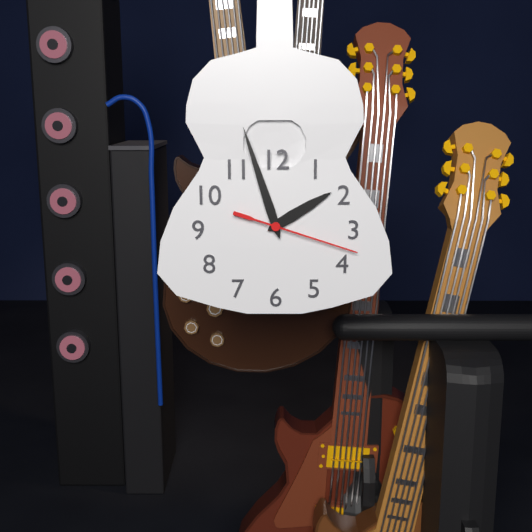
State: 1:57:18
